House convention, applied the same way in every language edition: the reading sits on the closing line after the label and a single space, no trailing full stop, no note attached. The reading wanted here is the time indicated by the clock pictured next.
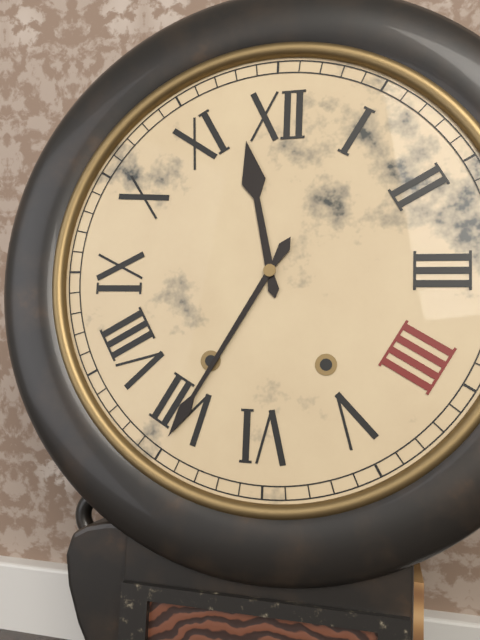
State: 11:35
